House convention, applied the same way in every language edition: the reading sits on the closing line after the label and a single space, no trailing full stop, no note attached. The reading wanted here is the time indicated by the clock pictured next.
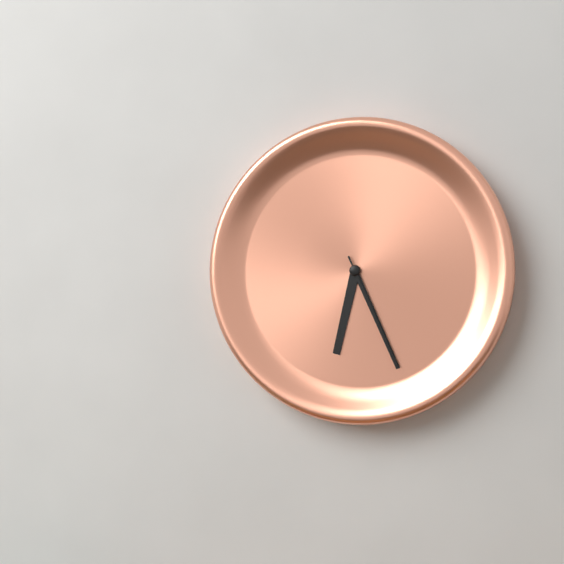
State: 6:26:26
